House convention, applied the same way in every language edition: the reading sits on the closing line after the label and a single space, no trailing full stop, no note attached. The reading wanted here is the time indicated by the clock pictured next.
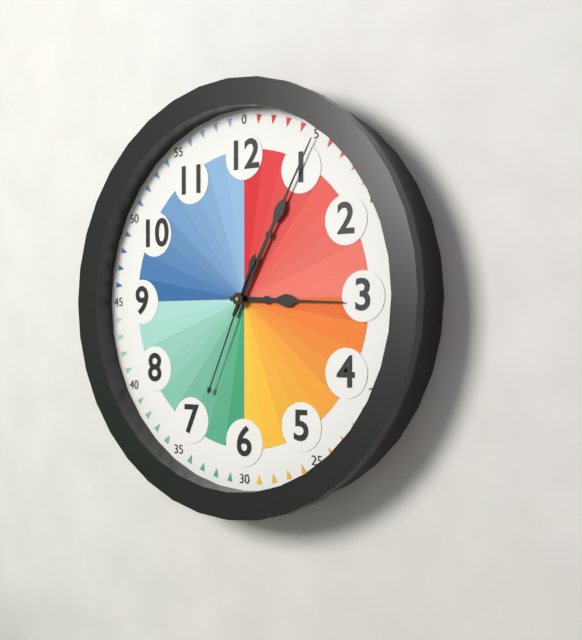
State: 3:05:34
